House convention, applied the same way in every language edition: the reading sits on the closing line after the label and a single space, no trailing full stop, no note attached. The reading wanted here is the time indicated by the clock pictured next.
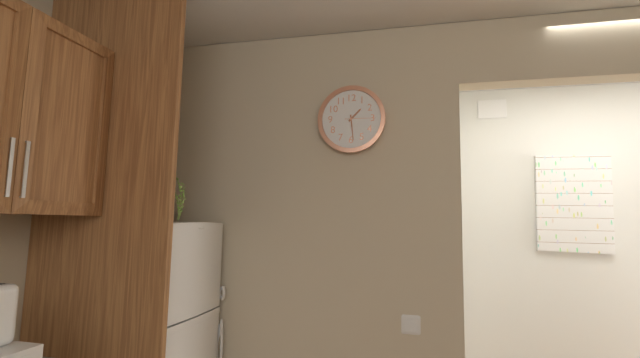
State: 1:29
